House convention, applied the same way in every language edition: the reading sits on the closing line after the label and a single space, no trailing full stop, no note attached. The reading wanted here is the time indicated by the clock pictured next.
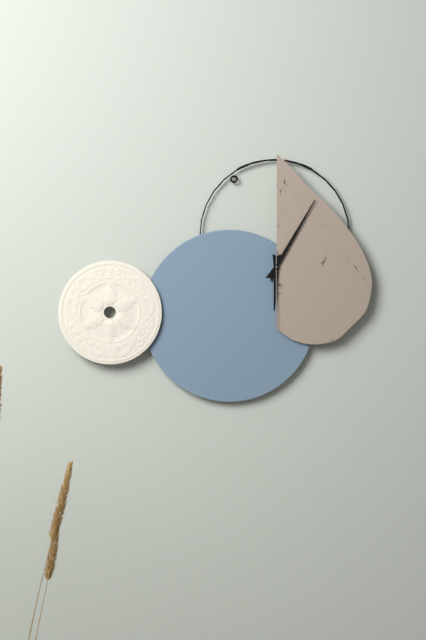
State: 6:05:30
